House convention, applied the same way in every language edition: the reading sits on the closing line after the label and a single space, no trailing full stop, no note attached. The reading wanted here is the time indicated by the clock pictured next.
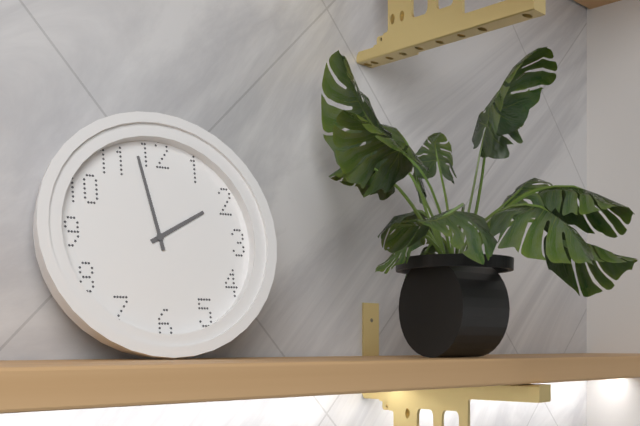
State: 1:58
